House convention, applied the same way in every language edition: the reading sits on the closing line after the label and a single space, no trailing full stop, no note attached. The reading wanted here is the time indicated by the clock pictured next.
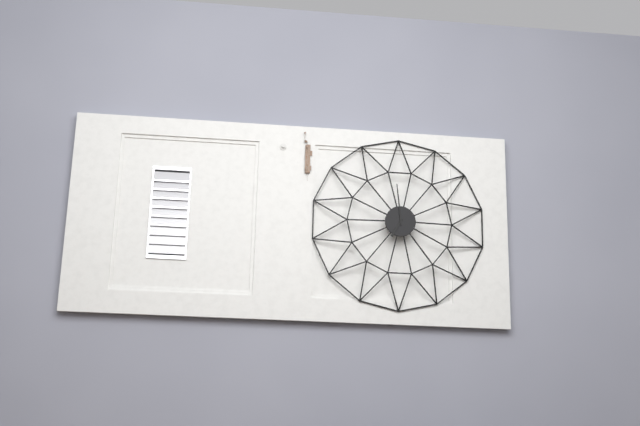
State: 6:59
